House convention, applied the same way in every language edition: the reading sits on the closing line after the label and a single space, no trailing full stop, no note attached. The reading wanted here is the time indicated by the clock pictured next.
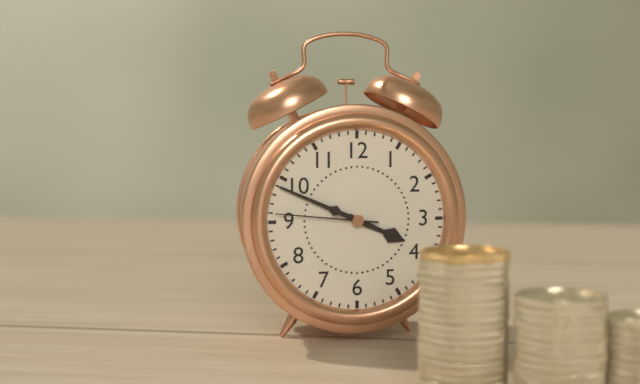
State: 3:49:46
